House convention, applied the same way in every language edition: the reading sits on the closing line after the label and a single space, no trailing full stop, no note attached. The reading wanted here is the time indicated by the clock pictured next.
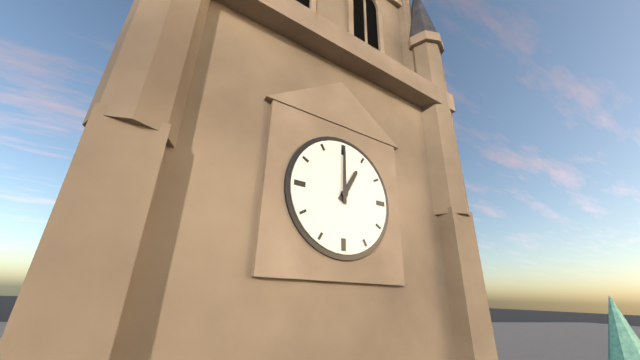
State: 1:00
